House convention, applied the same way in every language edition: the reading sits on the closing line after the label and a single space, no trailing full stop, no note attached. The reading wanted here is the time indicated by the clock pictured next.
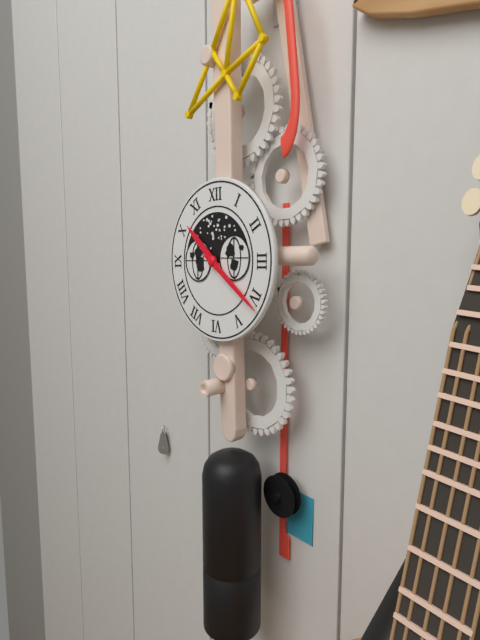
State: 10:21
